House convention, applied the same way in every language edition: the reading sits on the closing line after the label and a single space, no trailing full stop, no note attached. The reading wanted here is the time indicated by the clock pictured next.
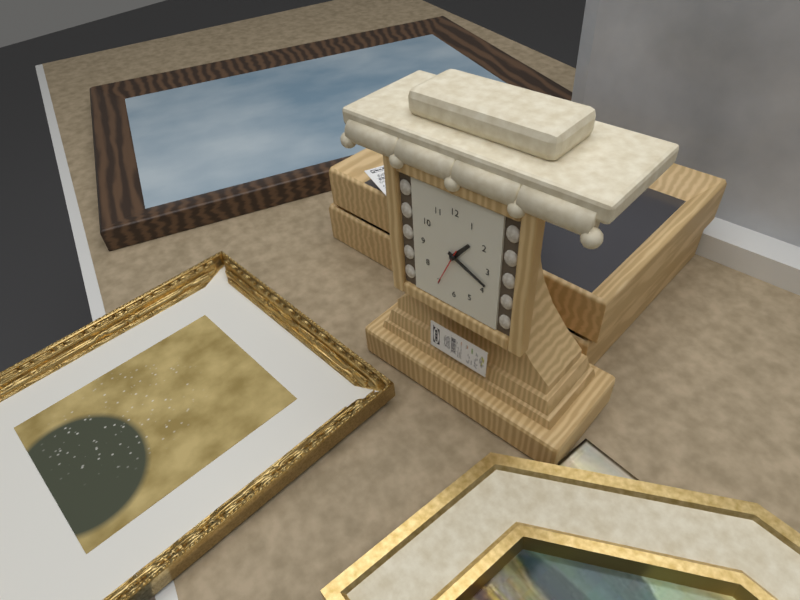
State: 1:19
